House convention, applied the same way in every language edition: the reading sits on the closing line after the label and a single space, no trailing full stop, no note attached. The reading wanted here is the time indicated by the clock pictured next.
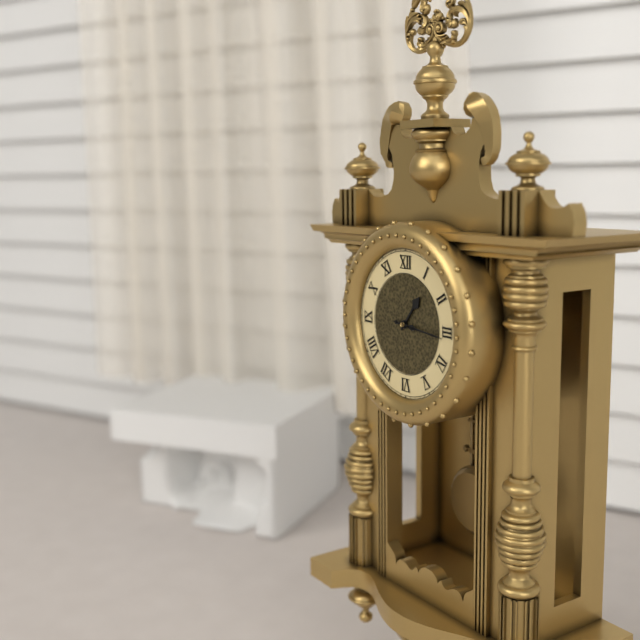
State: 1:16
